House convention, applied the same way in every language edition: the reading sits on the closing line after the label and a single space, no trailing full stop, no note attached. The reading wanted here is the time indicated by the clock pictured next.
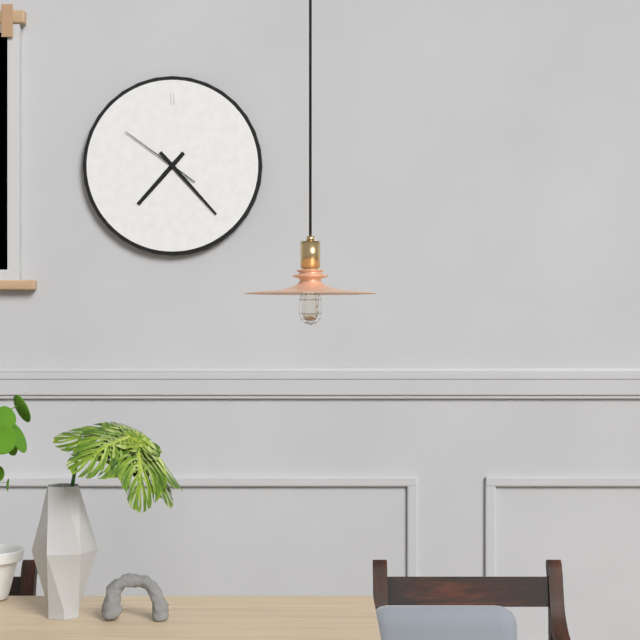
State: 7:23:51
